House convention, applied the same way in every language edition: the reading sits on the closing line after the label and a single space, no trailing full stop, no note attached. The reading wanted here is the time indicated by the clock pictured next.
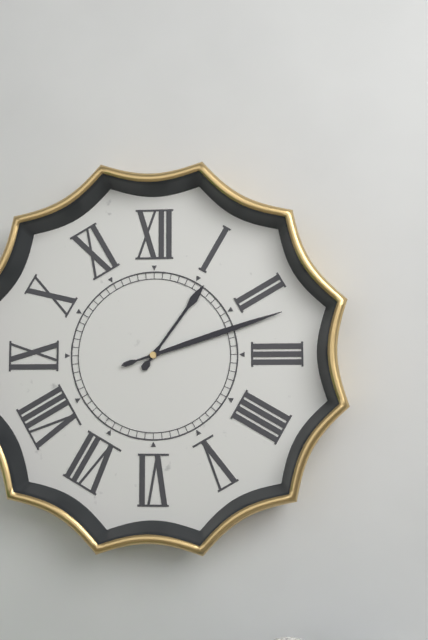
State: 1:12
